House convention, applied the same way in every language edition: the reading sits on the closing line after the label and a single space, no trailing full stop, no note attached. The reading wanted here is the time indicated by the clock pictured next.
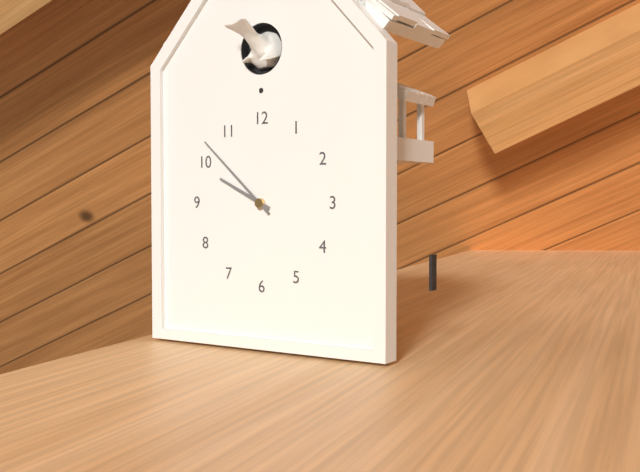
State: 9:52
